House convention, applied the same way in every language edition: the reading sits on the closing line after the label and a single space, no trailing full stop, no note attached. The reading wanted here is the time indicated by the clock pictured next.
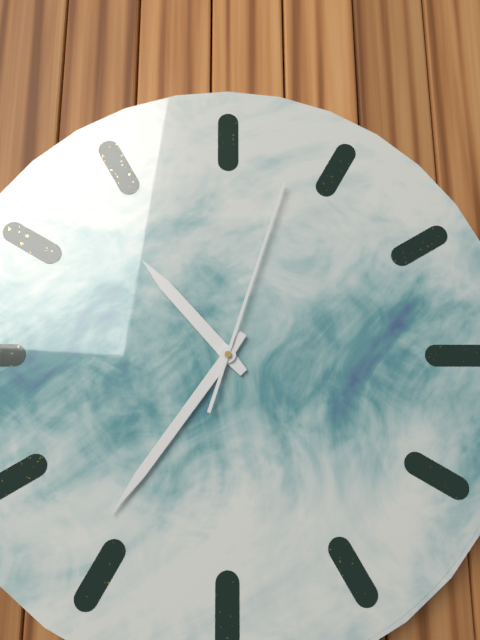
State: 10:36:03
